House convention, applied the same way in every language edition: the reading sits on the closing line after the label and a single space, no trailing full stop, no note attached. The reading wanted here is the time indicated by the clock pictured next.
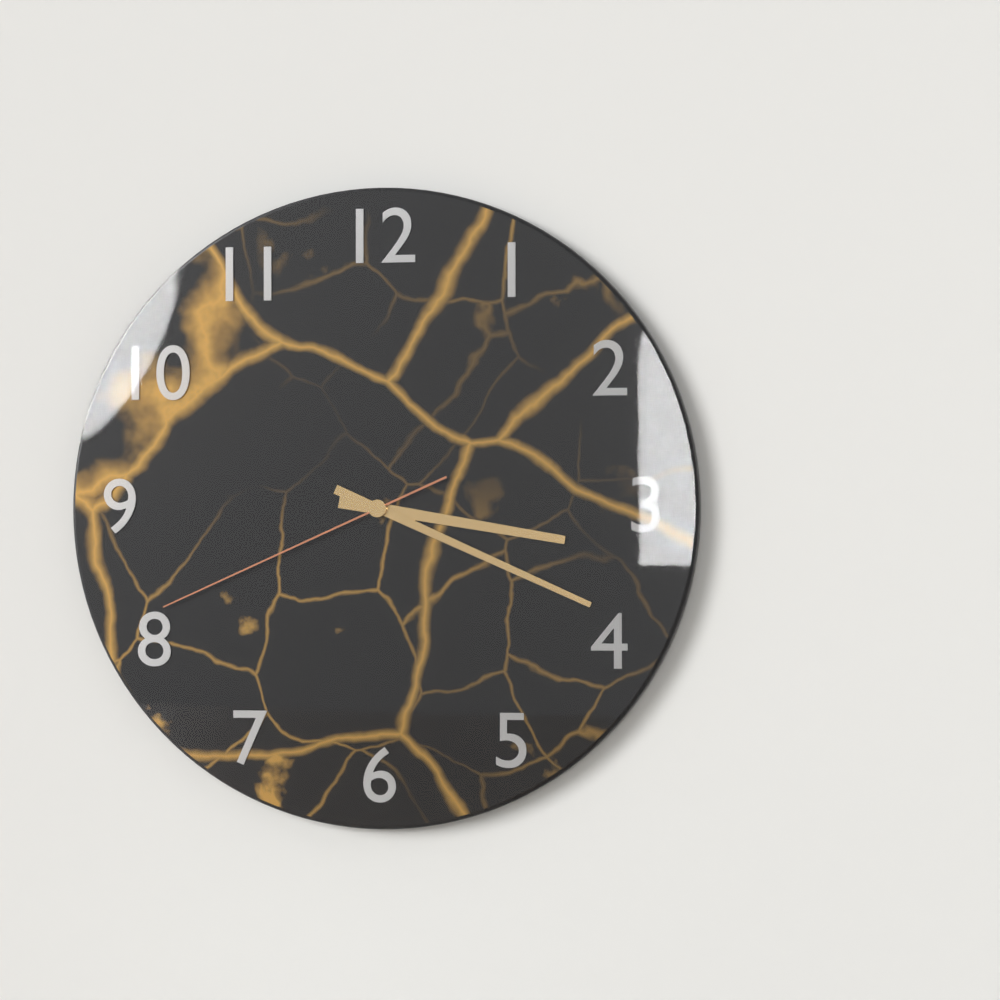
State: 3:19:41
